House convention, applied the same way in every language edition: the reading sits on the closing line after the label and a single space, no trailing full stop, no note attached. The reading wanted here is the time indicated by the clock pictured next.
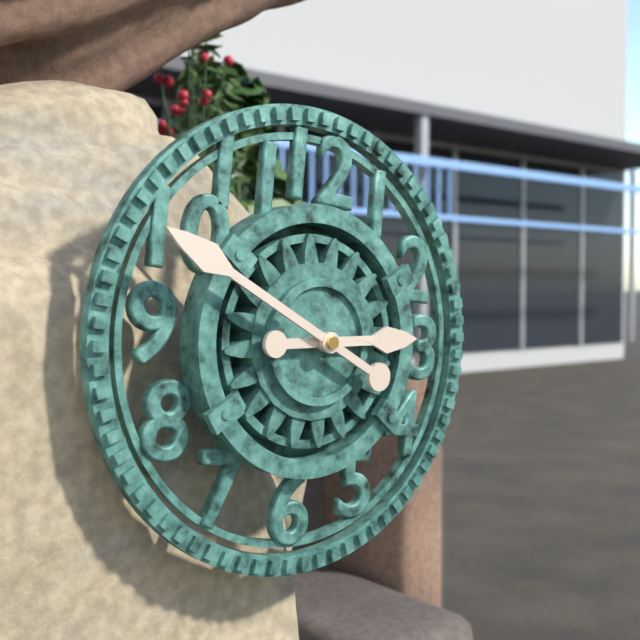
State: 2:49
